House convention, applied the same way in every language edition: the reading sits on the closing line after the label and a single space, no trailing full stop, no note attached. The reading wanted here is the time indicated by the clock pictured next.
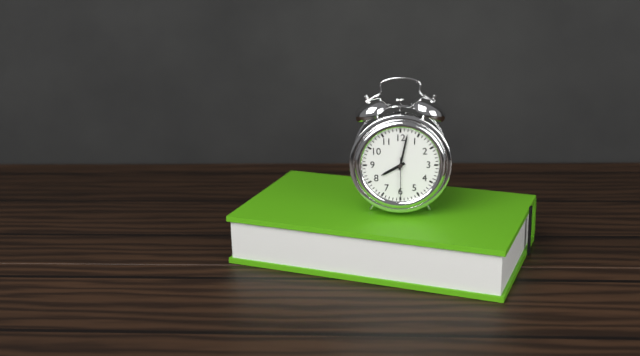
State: 8:02
